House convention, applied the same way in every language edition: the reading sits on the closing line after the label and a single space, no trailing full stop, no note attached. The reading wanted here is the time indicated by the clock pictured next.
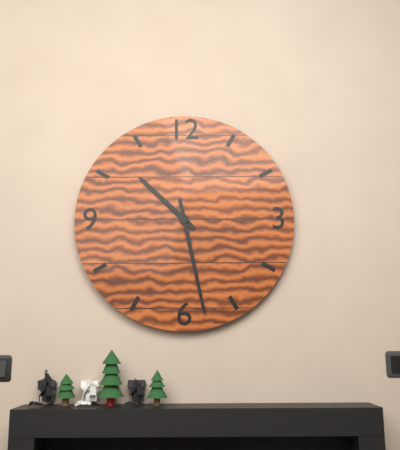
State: 10:28
